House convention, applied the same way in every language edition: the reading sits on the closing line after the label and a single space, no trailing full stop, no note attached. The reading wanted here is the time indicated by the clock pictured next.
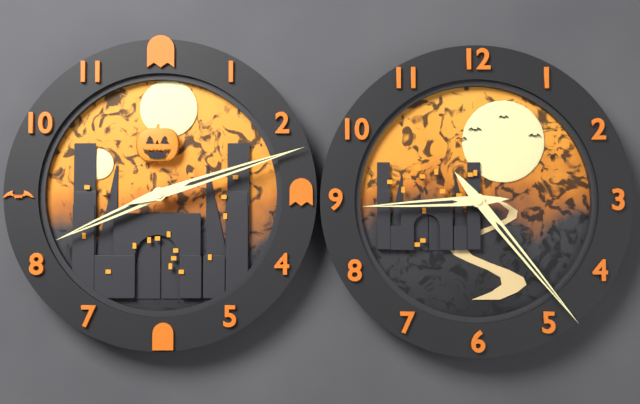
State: 8:12
